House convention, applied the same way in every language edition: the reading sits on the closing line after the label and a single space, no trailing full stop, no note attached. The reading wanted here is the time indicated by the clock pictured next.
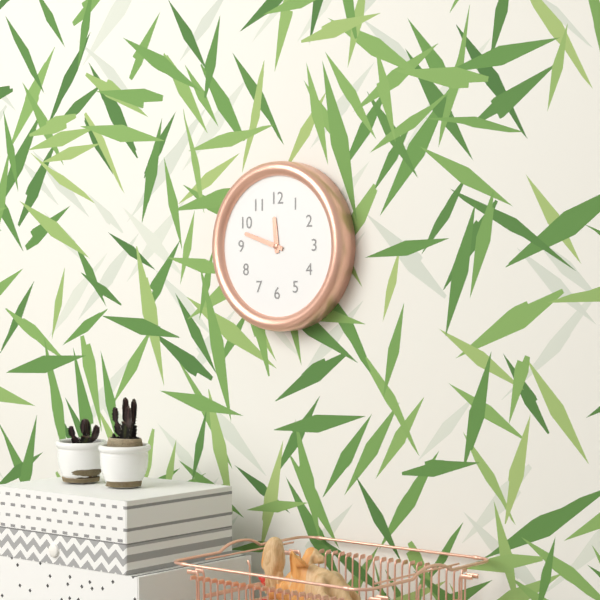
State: 11:48
